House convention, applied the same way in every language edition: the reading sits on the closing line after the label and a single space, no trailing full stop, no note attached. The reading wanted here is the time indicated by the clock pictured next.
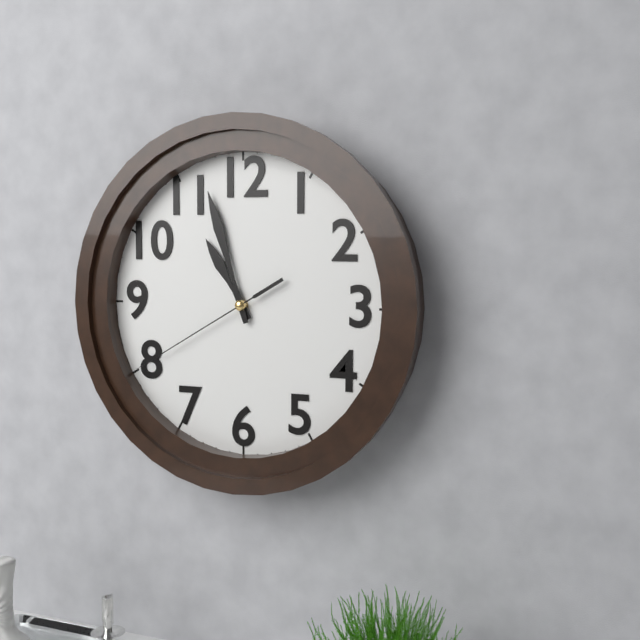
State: 10:57:40
